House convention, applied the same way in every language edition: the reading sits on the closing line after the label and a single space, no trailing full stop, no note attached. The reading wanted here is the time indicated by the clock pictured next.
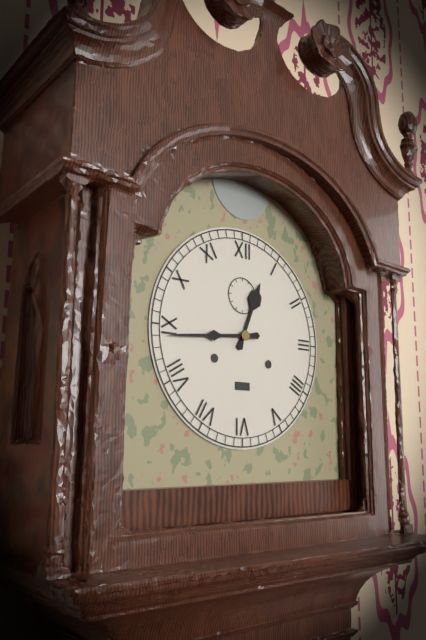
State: 12:44
